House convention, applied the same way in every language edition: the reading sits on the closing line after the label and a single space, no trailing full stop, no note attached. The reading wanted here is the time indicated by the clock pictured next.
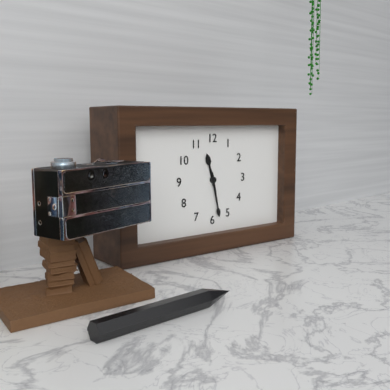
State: 11:28
